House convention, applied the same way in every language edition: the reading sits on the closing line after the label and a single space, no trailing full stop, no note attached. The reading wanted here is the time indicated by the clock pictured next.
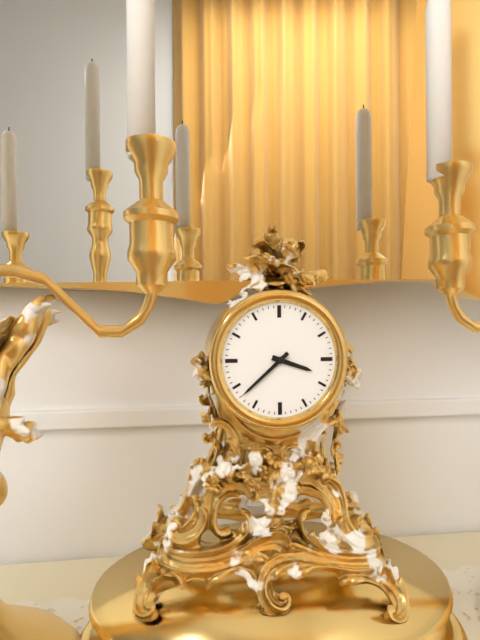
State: 3:38
